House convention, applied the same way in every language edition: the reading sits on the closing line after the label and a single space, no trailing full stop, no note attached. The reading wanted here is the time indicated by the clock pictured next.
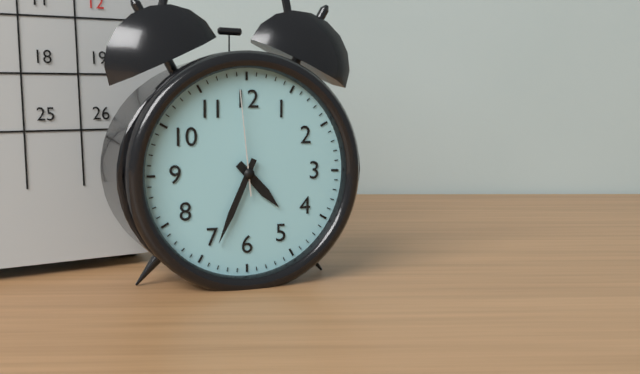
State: 4:34:59
